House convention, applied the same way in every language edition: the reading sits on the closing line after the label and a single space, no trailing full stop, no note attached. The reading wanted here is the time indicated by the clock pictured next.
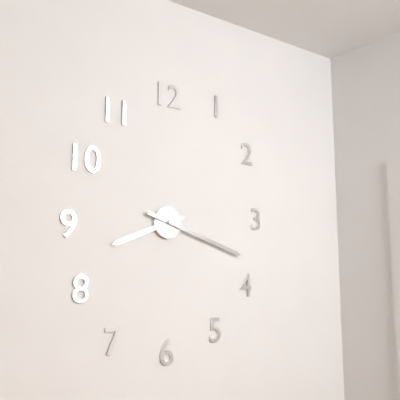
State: 8:18
